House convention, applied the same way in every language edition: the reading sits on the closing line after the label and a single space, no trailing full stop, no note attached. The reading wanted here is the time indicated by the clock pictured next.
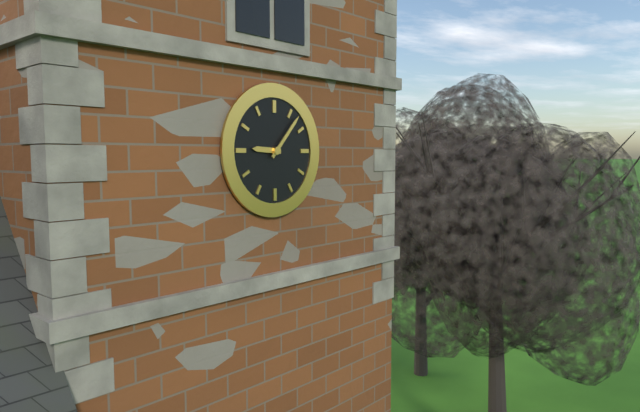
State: 9:07
